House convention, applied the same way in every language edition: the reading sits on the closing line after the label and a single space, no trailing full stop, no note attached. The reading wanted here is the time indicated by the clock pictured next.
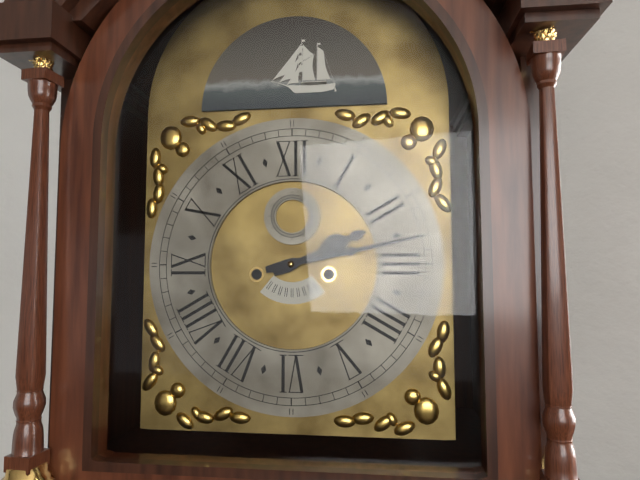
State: 2:13
